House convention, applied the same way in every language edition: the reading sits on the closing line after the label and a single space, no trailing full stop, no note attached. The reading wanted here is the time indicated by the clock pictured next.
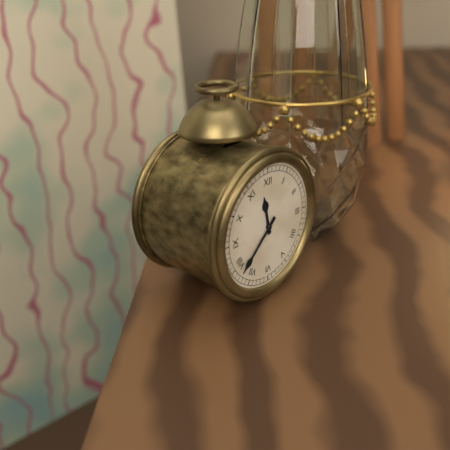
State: 11:38
